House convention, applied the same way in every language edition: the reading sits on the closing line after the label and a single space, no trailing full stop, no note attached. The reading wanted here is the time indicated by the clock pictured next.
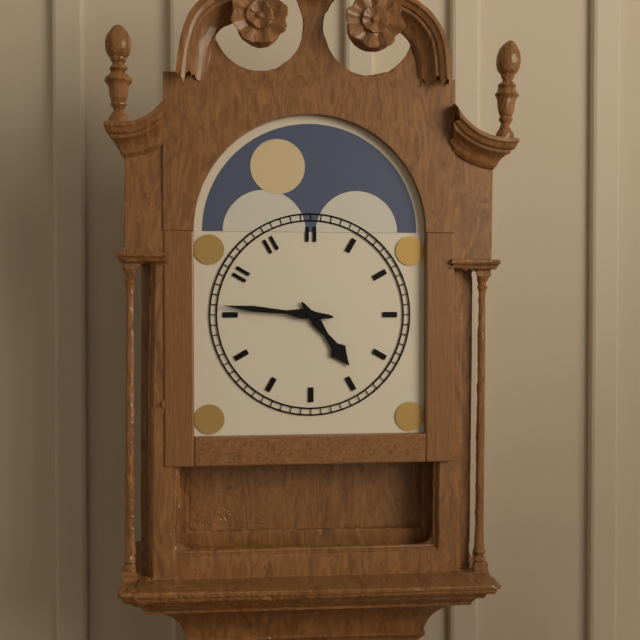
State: 4:46
